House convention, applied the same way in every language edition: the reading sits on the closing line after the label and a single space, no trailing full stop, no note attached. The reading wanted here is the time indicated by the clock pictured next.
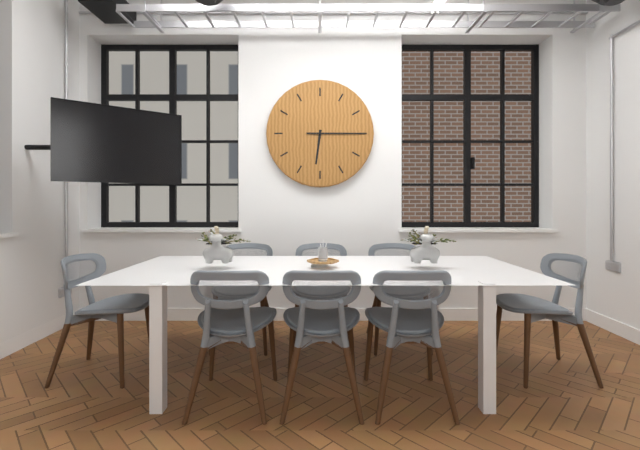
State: 6:15
